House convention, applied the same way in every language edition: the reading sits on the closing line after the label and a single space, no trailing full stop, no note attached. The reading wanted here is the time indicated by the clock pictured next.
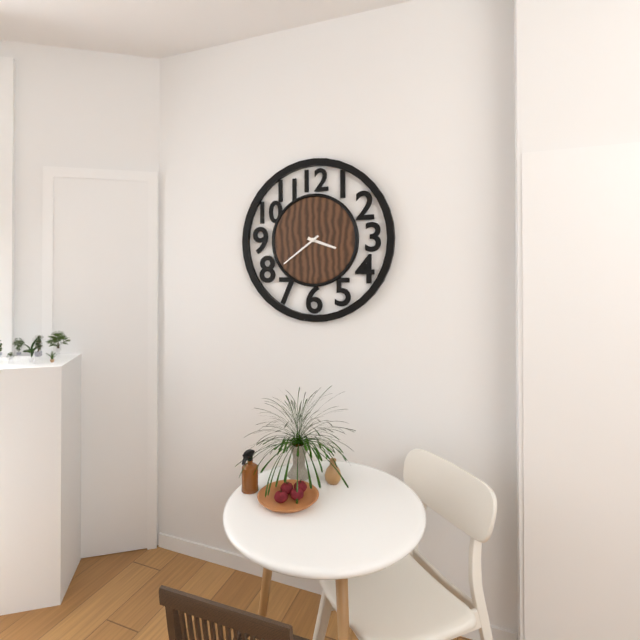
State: 3:39
